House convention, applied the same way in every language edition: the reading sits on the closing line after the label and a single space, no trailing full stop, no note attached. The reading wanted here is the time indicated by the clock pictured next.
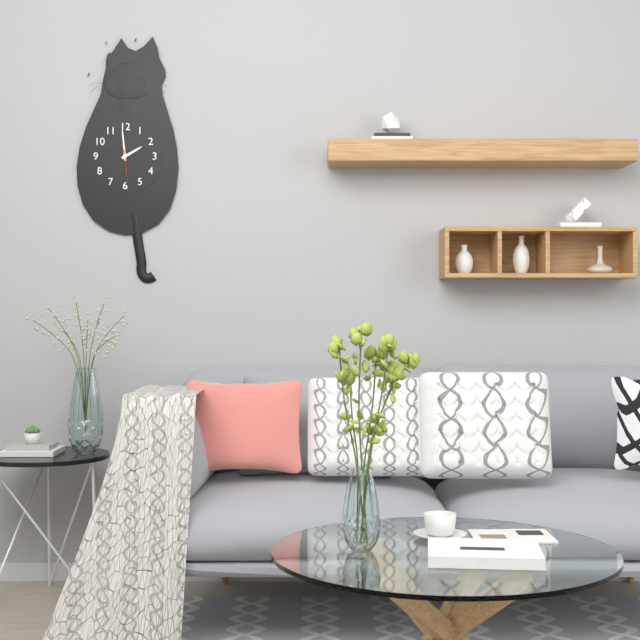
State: 1:59
